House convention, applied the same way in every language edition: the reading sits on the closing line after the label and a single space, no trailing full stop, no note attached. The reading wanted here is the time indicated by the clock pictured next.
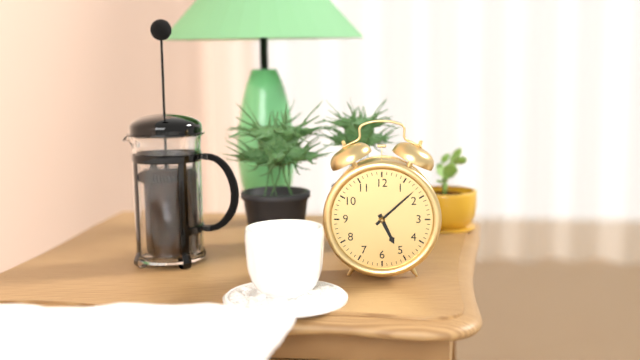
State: 5:08
